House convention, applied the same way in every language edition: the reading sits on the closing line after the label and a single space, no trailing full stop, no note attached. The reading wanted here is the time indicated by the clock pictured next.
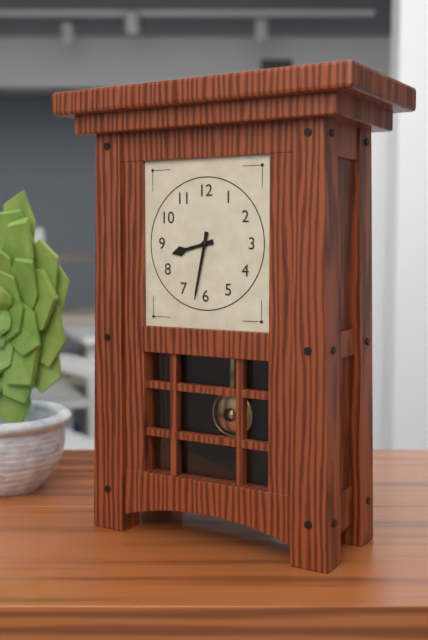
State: 8:32
